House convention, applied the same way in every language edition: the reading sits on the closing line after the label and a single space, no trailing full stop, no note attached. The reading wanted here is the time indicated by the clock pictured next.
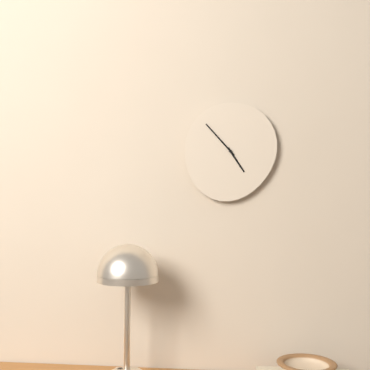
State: 4:53
